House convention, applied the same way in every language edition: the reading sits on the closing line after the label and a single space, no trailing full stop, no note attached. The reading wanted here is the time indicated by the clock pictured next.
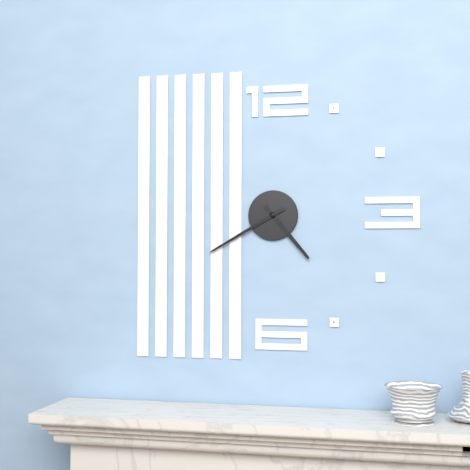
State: 4:40
